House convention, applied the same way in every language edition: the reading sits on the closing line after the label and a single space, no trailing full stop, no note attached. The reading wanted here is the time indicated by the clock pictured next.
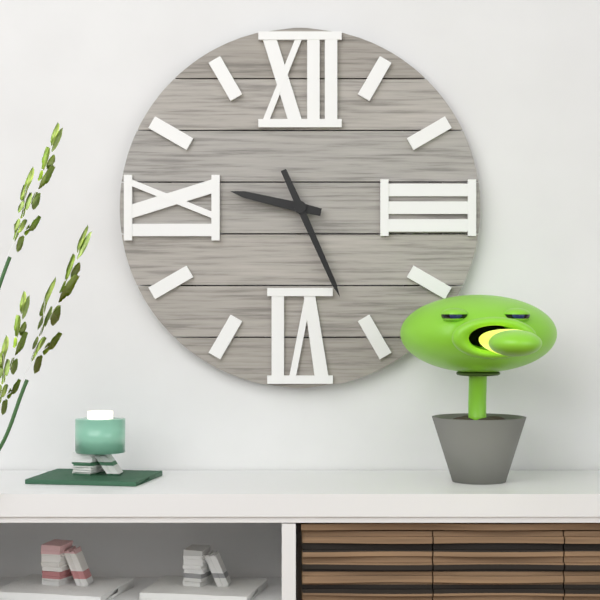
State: 9:26
